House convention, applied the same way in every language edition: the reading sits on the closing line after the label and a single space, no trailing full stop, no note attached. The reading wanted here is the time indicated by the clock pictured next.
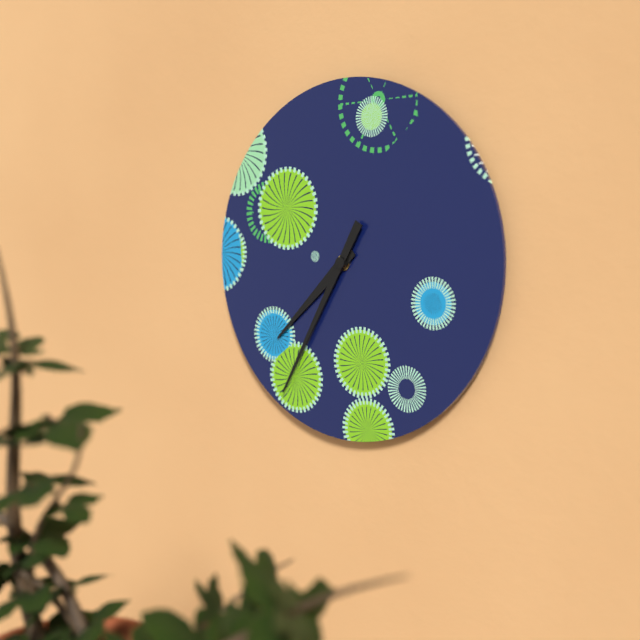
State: 7:35
